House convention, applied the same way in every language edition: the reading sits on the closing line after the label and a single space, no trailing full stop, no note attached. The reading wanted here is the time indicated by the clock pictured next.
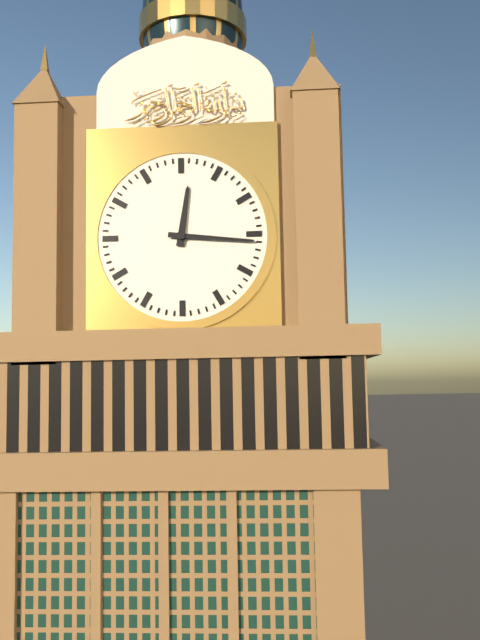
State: 12:16
